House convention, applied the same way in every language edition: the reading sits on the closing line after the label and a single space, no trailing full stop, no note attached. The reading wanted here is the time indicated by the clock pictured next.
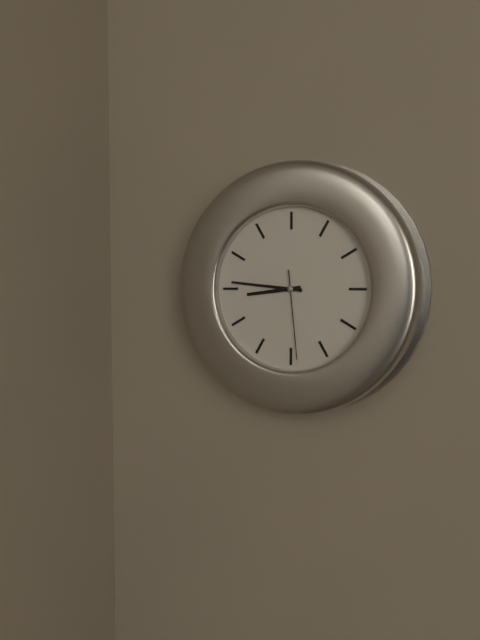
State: 8:46:29
